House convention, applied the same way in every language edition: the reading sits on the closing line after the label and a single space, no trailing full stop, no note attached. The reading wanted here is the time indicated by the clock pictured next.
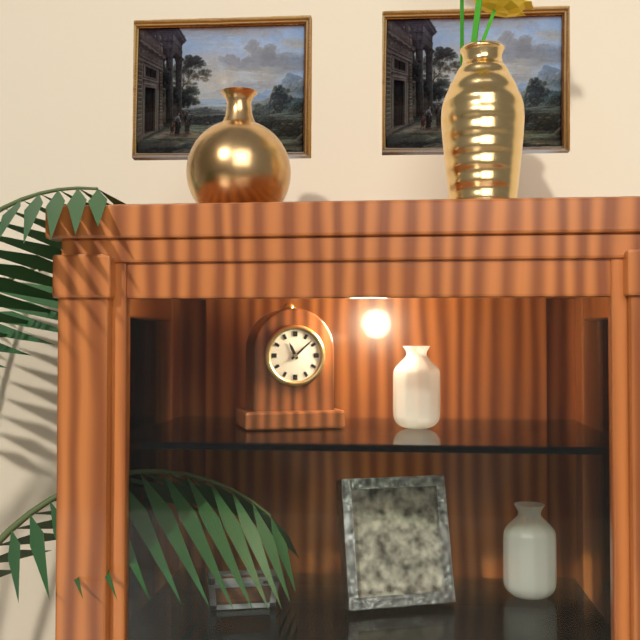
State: 11:08
